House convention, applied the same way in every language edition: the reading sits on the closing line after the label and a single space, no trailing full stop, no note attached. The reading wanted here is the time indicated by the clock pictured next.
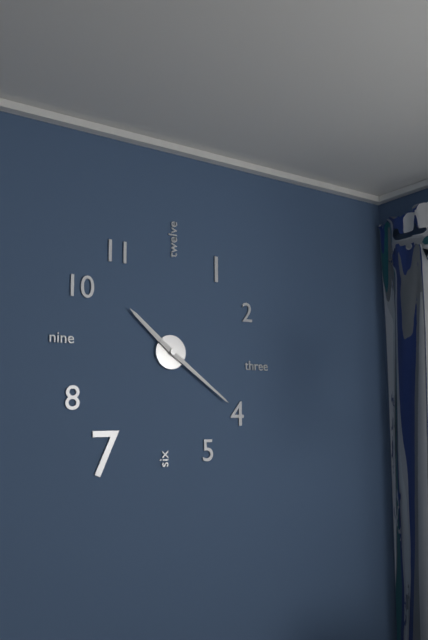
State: 10:21
